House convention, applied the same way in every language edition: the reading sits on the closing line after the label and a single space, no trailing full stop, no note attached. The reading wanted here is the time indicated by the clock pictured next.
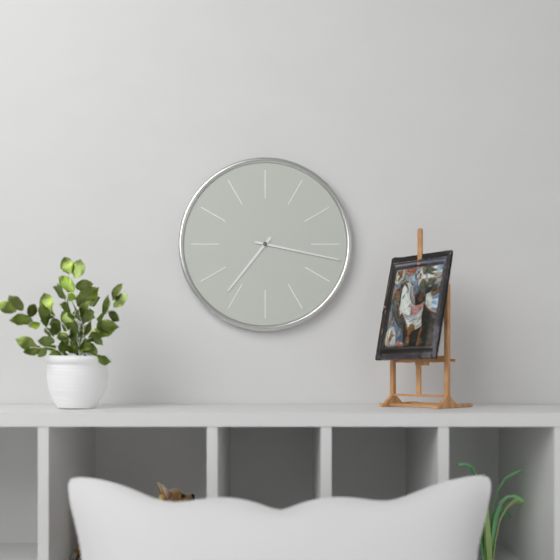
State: 7:17
